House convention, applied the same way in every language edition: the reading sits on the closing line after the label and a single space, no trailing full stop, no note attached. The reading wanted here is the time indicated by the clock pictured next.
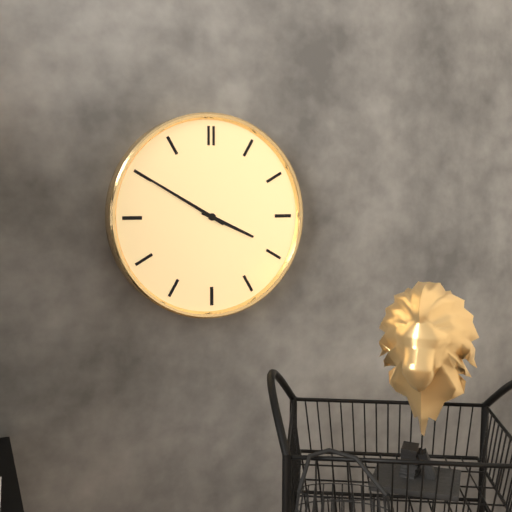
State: 3:50
